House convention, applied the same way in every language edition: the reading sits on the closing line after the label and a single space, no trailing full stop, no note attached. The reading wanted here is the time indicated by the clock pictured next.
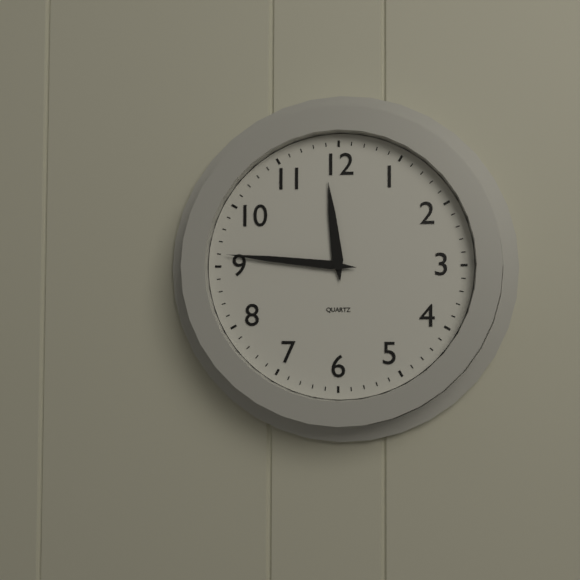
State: 11:46
